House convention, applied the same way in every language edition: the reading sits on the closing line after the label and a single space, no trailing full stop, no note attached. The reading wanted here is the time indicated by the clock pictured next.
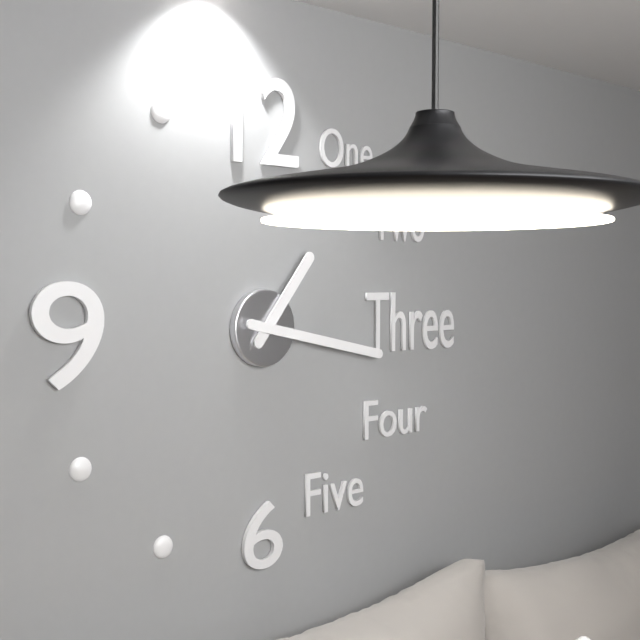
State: 1:17
